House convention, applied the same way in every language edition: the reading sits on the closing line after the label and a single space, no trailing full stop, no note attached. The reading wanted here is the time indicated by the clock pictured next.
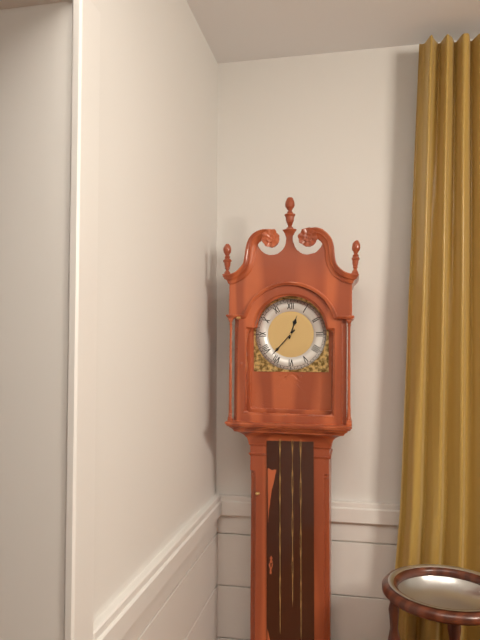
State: 12:37
